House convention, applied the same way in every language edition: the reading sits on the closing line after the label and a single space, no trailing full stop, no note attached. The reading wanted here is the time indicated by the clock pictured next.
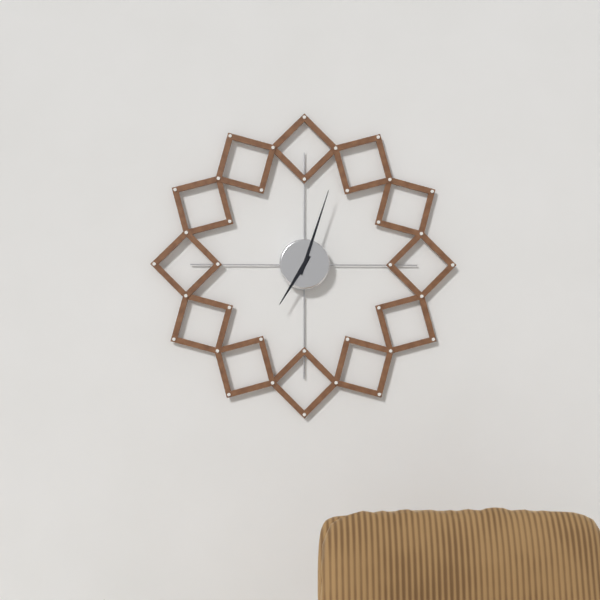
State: 7:03
